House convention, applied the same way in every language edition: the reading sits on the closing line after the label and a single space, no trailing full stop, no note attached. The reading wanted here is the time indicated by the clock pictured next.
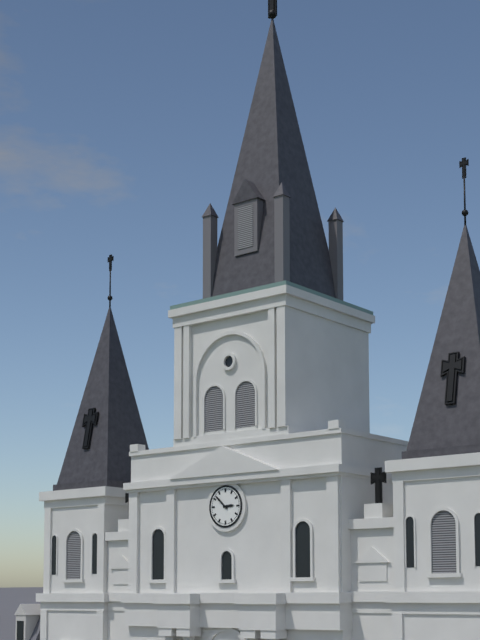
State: 2:52
